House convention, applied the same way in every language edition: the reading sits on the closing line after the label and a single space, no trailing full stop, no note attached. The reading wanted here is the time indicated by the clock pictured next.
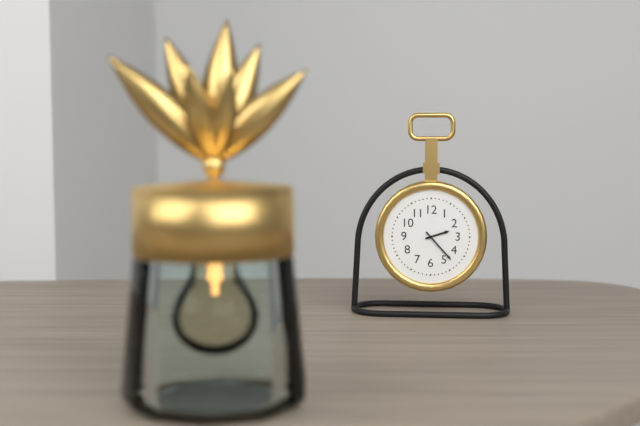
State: 2:23
